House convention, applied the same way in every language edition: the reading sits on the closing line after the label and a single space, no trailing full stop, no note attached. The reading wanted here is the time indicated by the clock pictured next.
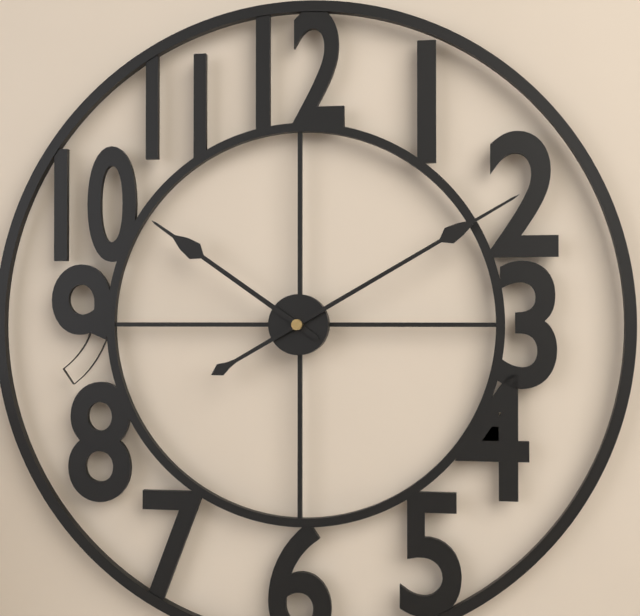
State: 10:10
